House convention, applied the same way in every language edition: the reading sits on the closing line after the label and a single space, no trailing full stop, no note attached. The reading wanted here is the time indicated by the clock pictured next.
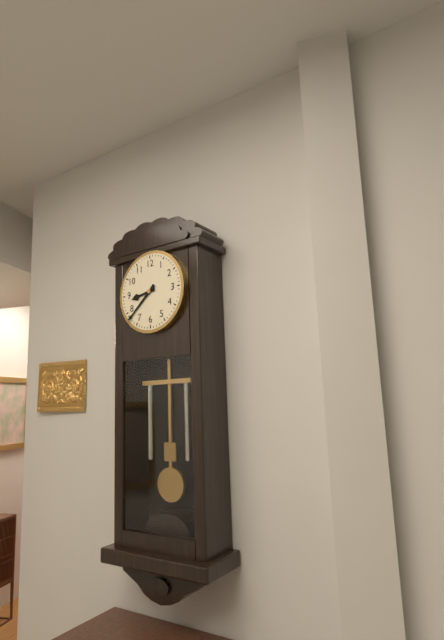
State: 8:38
